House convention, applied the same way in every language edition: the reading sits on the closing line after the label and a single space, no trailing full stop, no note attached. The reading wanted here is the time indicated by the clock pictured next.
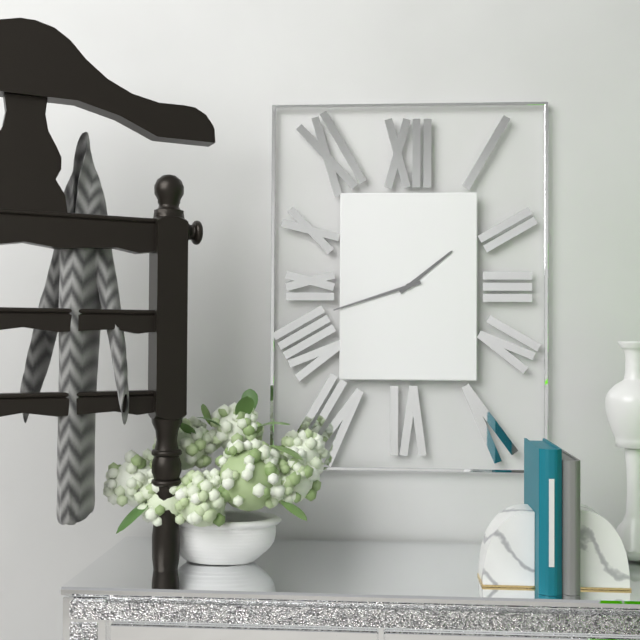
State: 1:42
